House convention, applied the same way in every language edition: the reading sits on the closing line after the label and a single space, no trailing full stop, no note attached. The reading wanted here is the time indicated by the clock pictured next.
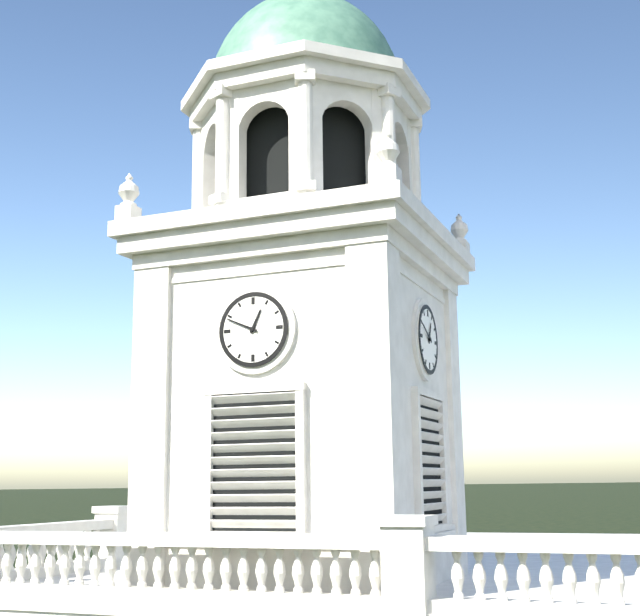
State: 12:49
